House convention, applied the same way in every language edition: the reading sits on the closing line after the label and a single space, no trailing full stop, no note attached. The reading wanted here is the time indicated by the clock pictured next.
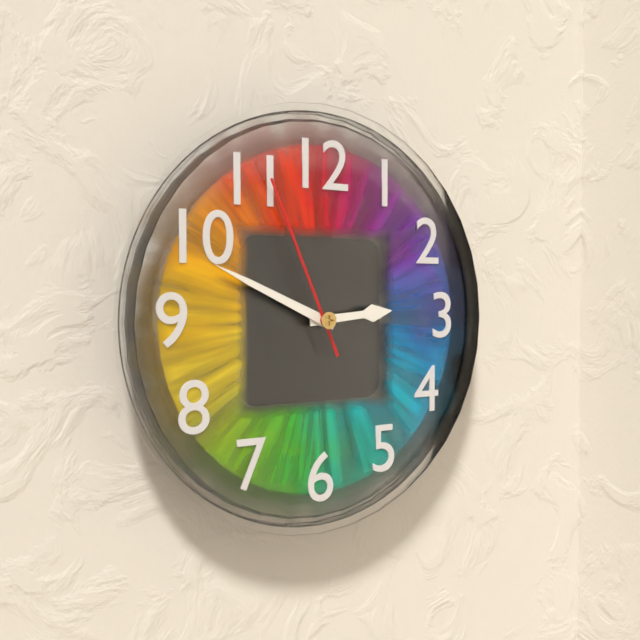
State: 2:49:56
